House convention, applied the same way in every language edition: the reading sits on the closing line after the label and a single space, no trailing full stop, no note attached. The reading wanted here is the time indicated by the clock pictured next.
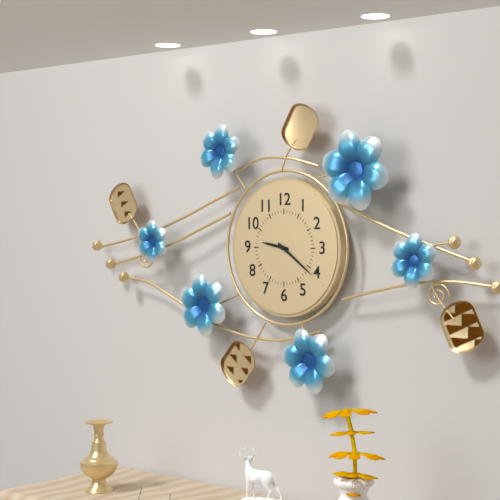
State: 9:21
